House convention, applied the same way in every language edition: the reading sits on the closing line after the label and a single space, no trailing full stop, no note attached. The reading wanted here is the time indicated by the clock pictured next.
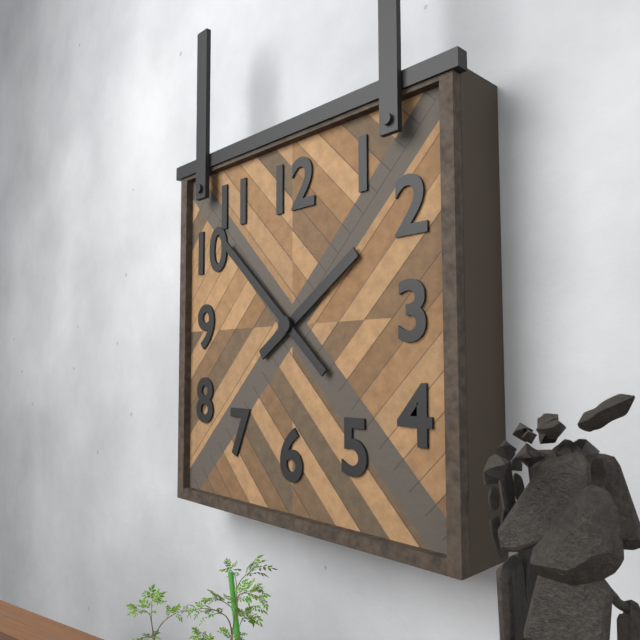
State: 1:52
